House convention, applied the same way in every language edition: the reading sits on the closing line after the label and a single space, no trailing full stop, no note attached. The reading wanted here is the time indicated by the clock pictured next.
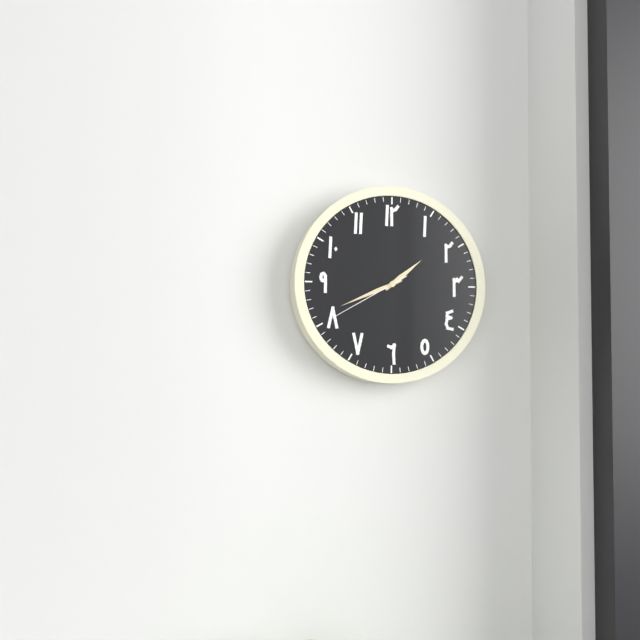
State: 1:41:40
